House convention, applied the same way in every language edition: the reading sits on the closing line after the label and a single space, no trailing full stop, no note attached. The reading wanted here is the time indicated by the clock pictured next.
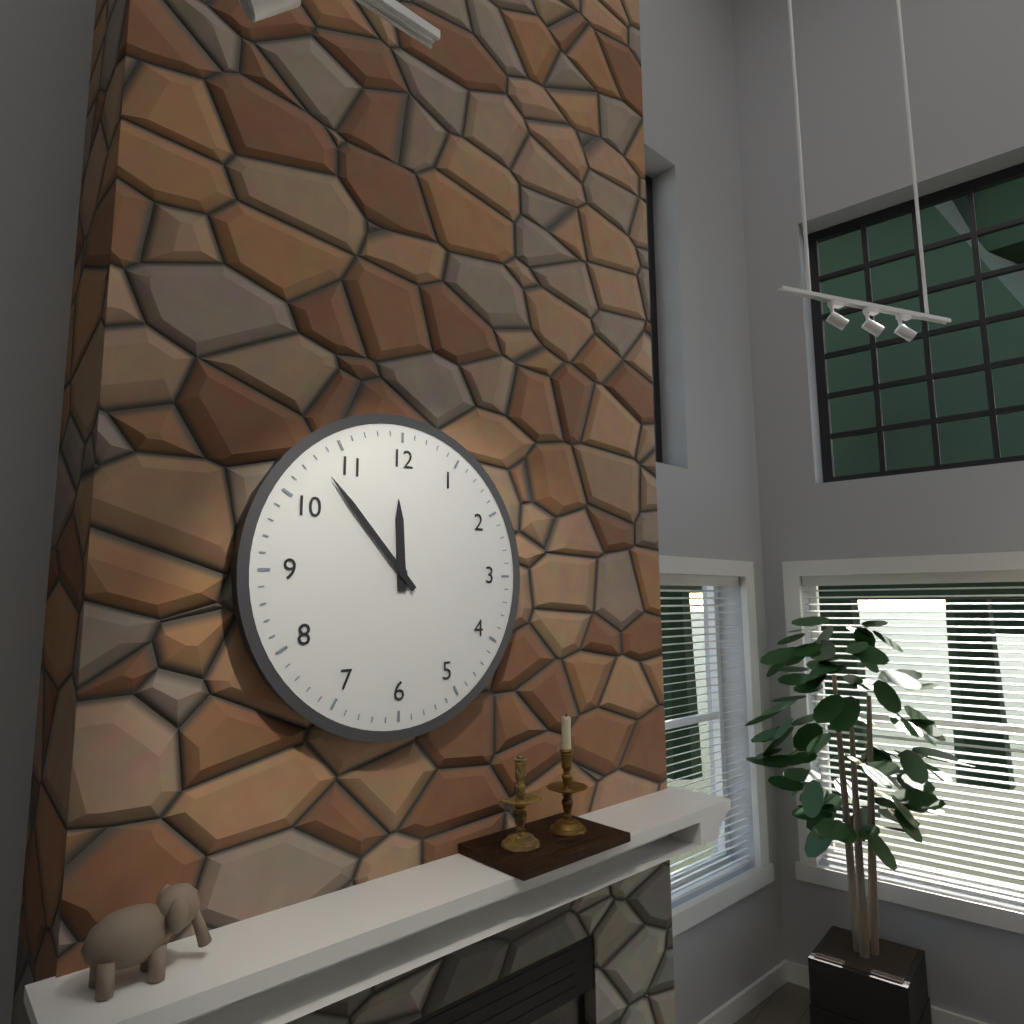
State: 11:53
